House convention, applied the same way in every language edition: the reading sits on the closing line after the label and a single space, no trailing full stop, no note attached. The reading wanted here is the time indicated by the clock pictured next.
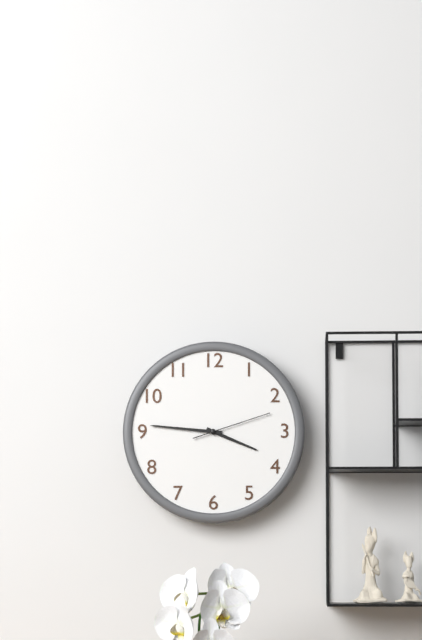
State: 3:46:12
